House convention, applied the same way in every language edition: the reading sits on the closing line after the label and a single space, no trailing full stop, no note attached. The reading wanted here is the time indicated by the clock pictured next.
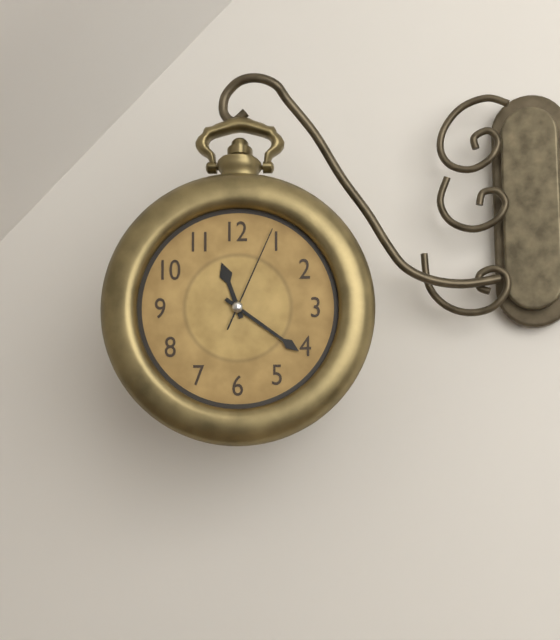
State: 11:21:04
